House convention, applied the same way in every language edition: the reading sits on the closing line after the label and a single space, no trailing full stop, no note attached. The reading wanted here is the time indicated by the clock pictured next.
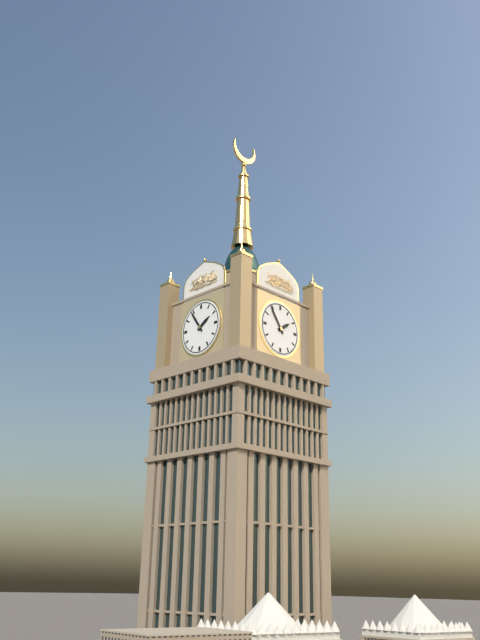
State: 1:54
